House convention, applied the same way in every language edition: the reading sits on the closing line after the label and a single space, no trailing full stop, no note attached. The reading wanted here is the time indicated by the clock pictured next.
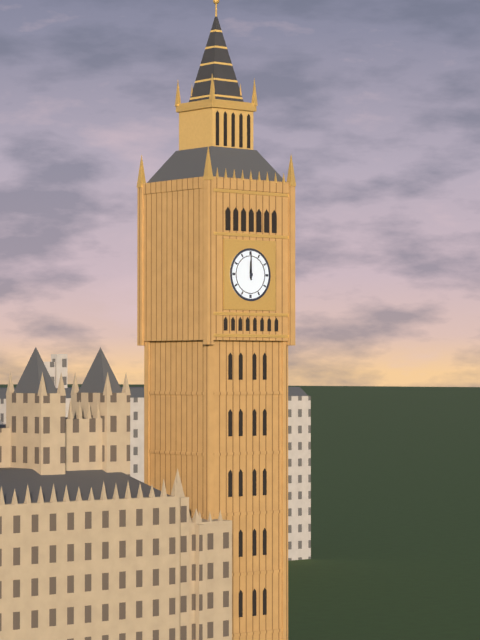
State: 12:00
